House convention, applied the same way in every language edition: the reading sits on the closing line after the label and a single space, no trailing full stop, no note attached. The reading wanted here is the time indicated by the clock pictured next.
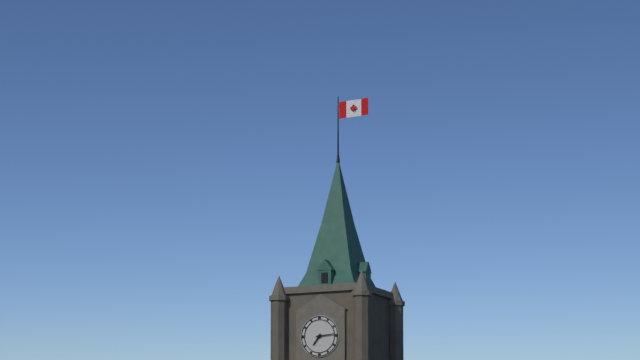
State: 7:14
